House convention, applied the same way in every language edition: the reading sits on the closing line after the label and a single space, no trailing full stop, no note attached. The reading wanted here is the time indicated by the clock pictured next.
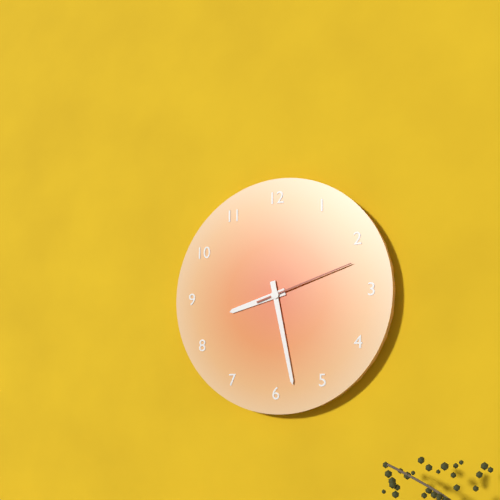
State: 8:28:12
